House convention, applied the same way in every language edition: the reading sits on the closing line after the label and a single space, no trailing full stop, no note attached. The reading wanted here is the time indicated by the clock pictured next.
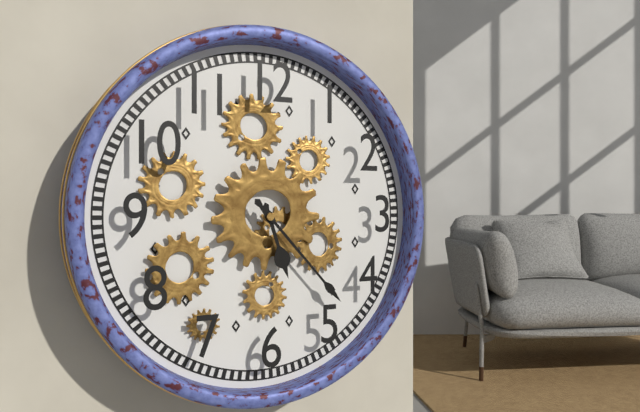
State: 5:23
